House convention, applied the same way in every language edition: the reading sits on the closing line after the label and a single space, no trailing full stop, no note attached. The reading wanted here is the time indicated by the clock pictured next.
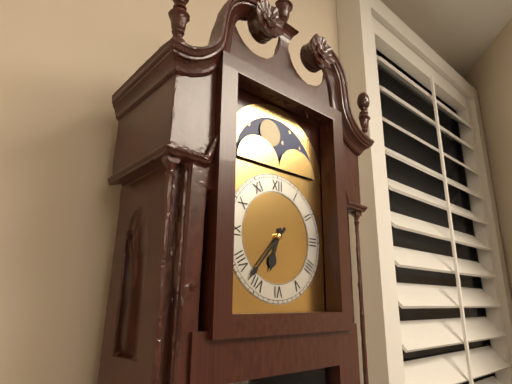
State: 6:37
